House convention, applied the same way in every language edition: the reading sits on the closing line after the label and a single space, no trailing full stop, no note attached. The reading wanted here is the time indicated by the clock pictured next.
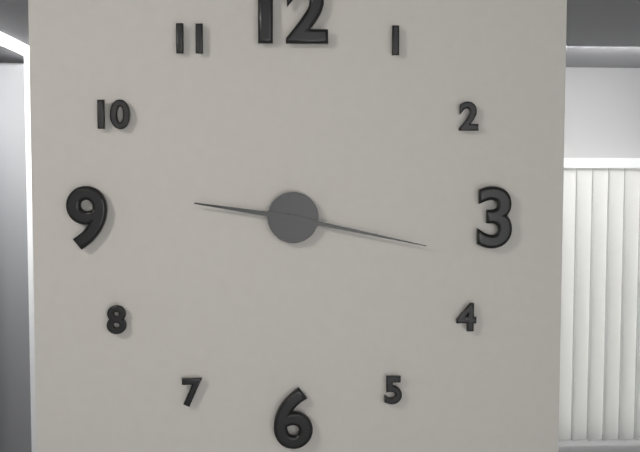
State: 9:17
